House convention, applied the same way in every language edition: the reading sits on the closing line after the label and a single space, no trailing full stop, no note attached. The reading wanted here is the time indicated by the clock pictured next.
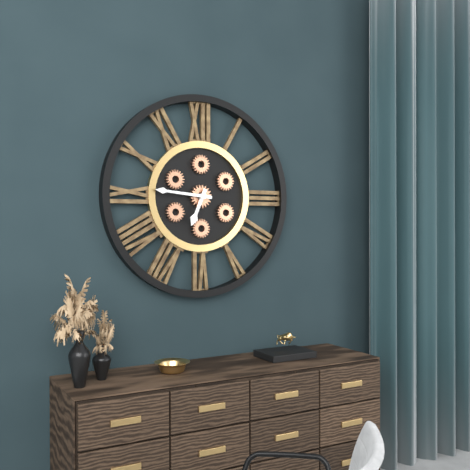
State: 6:46
